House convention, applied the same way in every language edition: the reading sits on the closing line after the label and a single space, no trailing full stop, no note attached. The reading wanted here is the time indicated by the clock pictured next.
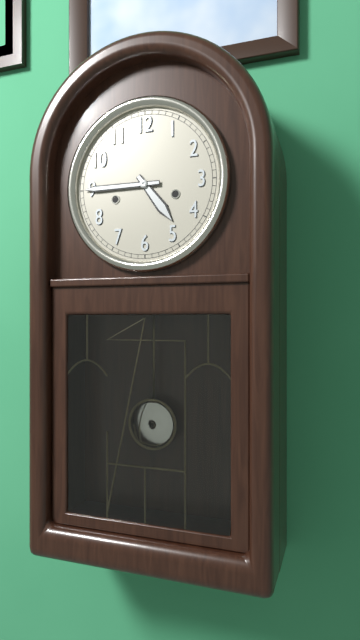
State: 4:45
